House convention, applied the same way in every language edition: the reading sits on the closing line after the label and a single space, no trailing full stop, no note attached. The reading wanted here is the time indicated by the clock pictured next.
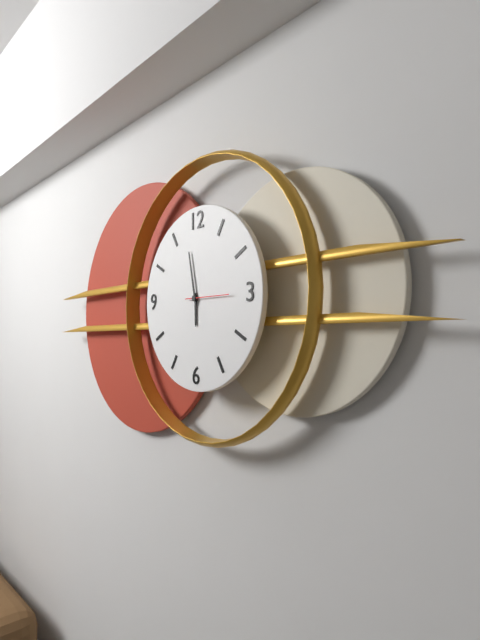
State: 5:58
